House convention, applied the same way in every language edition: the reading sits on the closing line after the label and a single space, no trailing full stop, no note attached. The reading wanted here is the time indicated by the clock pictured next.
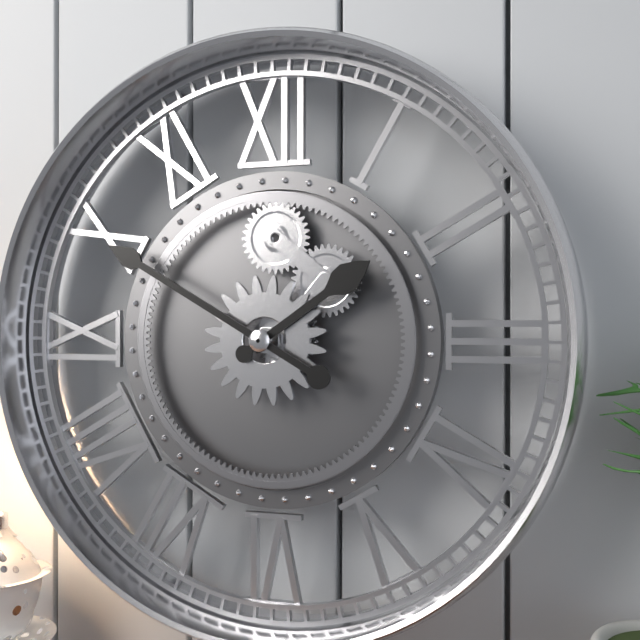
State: 1:50
